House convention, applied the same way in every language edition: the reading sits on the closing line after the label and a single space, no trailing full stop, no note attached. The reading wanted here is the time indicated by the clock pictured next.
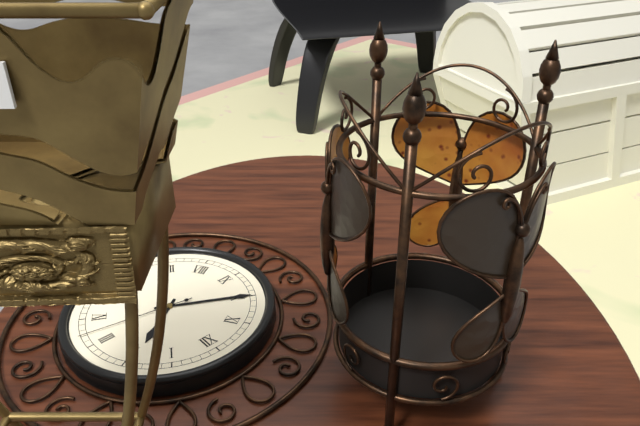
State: 1:50:17
